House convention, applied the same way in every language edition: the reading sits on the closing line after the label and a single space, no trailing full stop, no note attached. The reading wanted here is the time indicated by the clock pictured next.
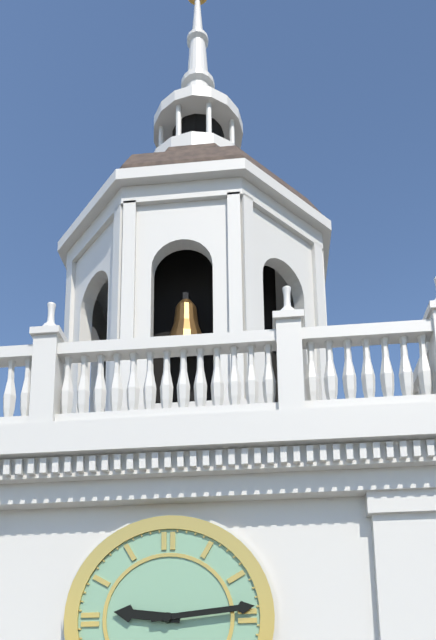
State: 9:14
